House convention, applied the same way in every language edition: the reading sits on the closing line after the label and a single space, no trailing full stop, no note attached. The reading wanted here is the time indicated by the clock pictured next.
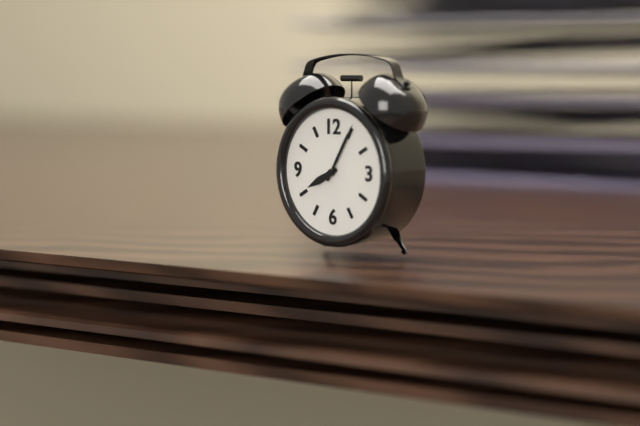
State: 8:05
